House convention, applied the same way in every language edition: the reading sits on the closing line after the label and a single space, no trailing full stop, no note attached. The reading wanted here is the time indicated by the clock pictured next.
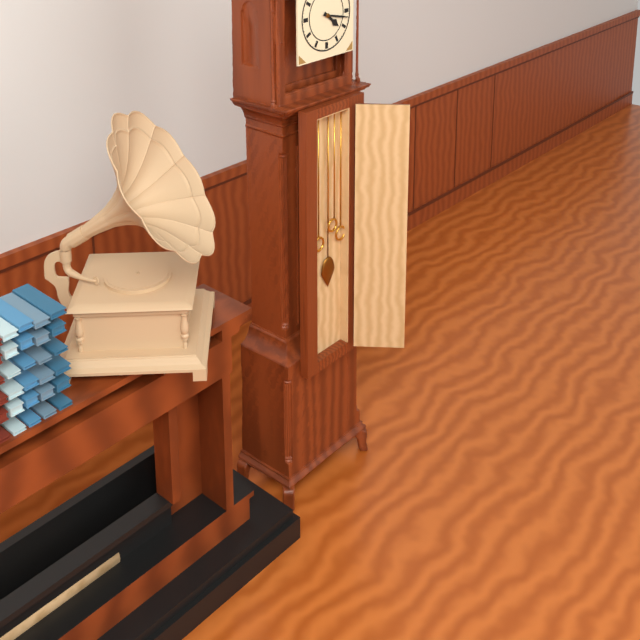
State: 4:17
